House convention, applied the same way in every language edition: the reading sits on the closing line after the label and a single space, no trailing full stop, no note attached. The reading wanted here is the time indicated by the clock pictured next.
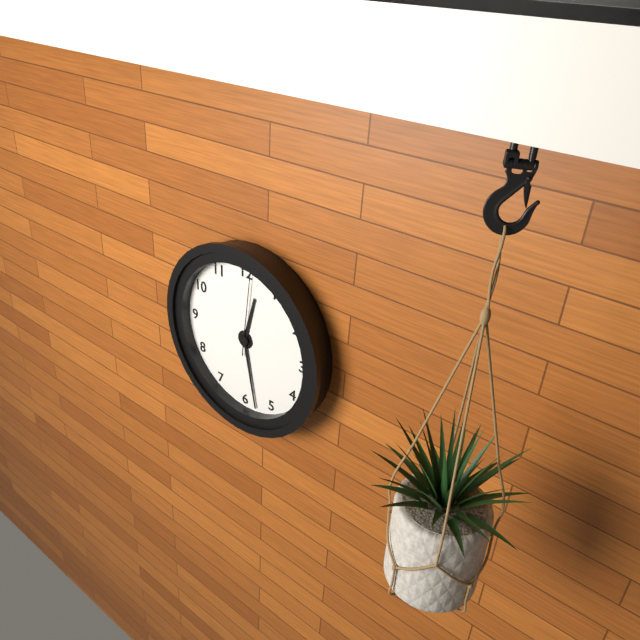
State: 12:28:01
